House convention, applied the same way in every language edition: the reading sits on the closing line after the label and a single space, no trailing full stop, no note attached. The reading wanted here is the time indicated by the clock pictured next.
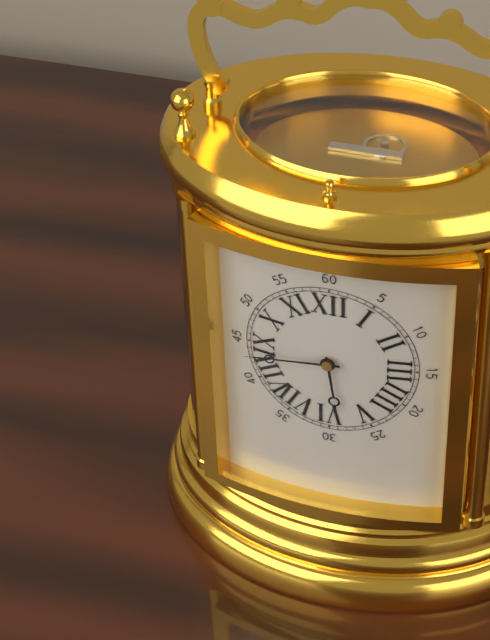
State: 5:44
